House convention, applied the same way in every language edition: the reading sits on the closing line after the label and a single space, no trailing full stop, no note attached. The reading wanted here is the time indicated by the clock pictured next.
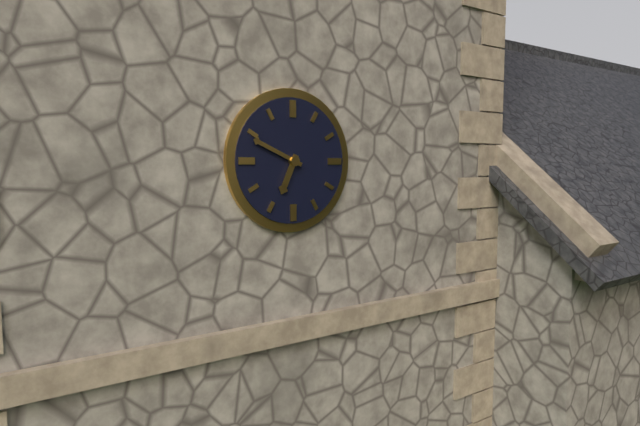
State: 6:49
